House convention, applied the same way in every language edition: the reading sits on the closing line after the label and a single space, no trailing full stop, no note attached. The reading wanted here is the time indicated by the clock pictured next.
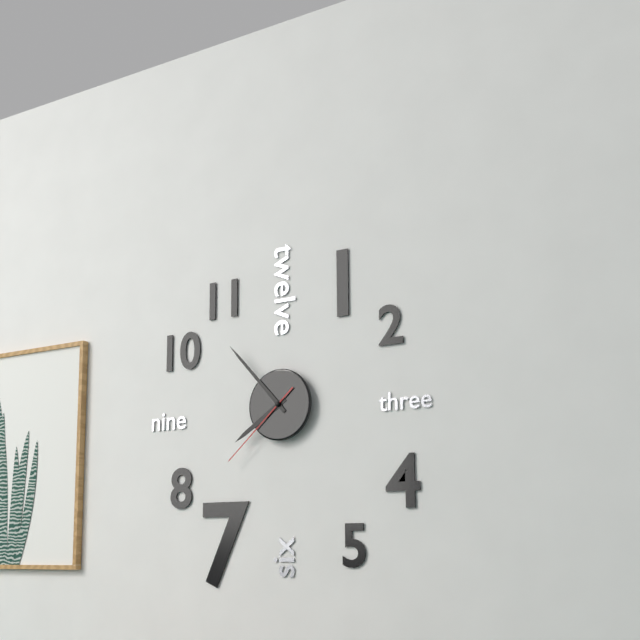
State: 7:53:38
